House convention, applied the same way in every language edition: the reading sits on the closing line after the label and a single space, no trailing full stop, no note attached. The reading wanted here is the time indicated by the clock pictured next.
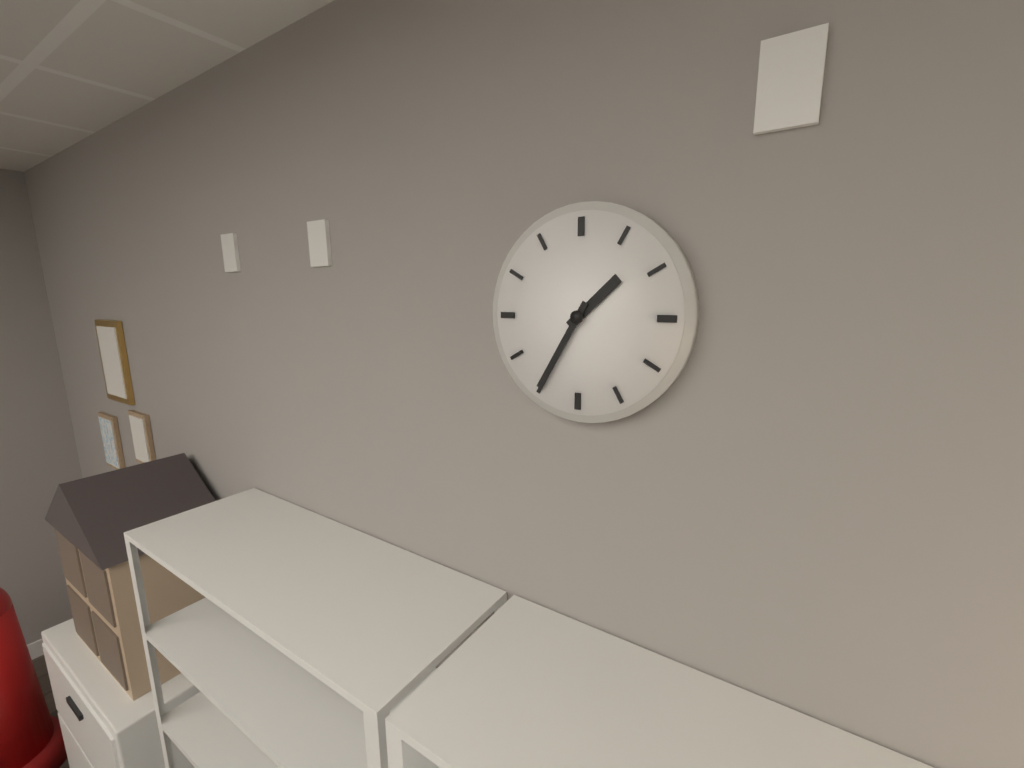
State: 1:35
